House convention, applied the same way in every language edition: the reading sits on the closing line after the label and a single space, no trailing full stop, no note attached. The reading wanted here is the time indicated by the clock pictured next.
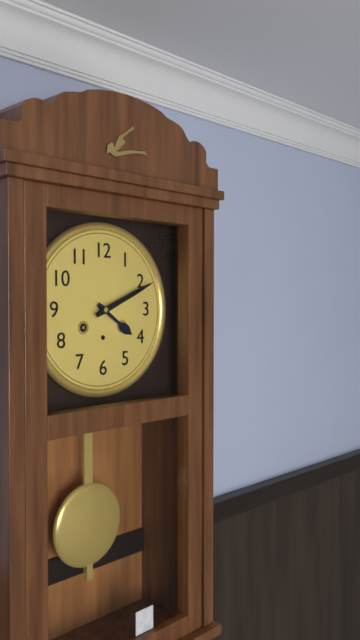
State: 4:11
